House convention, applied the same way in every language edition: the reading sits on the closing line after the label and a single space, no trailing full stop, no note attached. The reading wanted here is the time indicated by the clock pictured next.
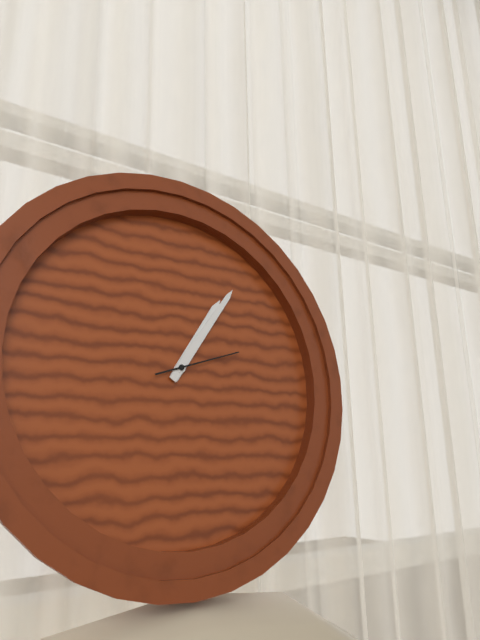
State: 1:06:12
